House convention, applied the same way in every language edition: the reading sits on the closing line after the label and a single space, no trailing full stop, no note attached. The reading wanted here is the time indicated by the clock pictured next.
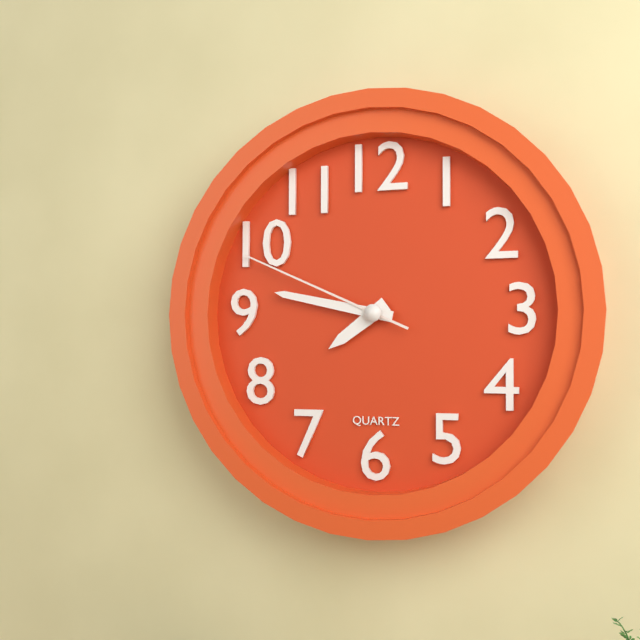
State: 7:47:49
